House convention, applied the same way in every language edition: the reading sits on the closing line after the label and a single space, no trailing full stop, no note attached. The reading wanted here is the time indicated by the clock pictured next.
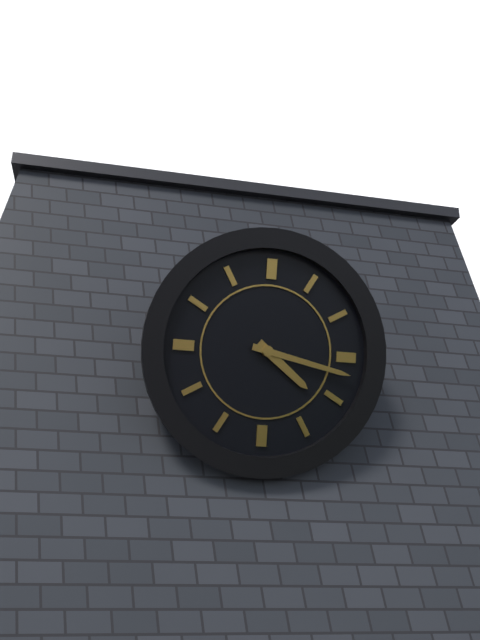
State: 4:17
